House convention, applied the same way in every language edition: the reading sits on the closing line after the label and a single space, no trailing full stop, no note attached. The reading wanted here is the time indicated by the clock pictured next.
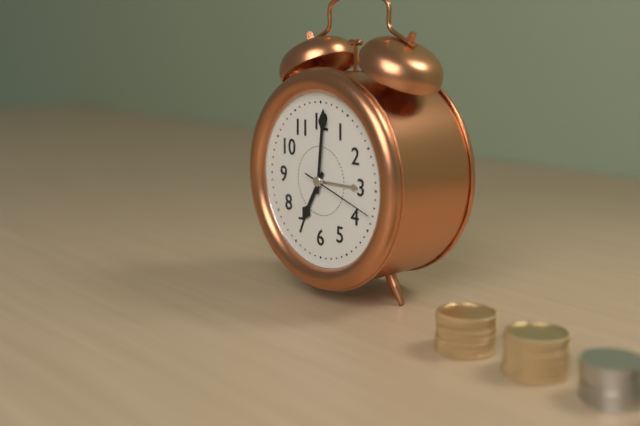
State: 7:01:18
